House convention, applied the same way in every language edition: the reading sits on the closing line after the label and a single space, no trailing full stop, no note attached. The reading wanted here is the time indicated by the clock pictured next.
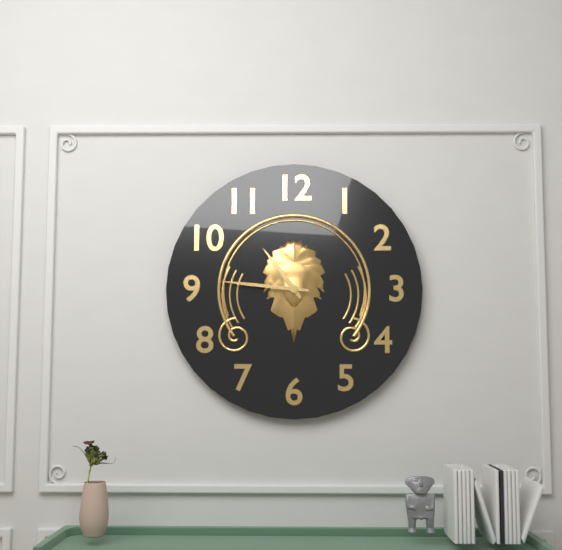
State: 10:46
